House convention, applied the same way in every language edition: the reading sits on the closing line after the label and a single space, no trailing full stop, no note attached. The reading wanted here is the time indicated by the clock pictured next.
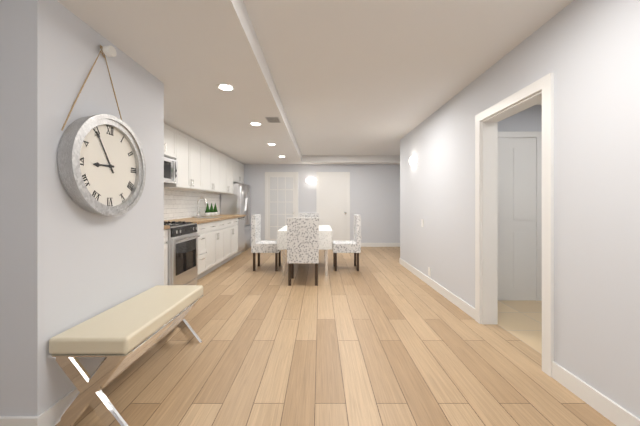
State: 8:55
